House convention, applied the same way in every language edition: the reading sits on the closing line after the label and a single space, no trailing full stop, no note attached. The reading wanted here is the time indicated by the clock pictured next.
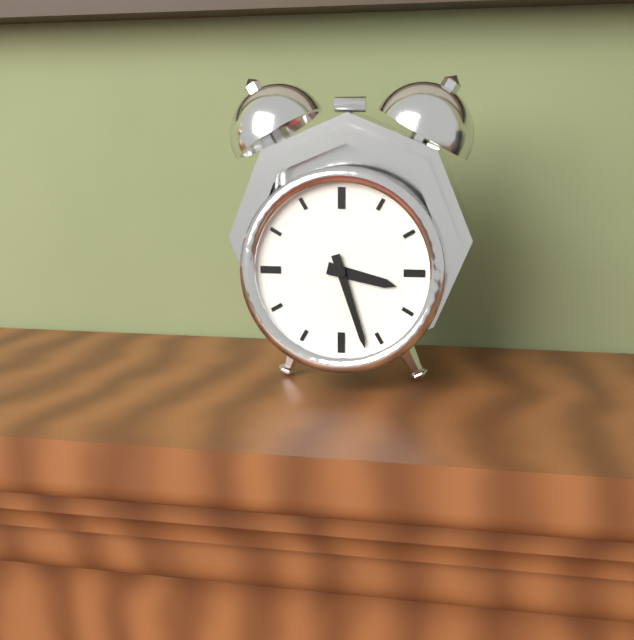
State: 3:27
